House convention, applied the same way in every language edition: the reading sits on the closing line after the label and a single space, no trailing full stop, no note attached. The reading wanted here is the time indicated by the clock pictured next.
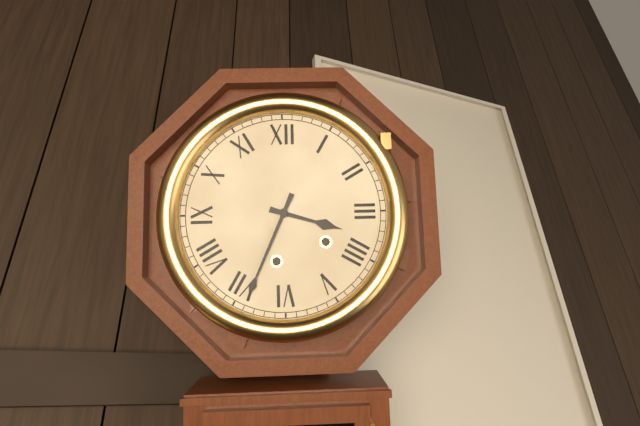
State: 3:34
